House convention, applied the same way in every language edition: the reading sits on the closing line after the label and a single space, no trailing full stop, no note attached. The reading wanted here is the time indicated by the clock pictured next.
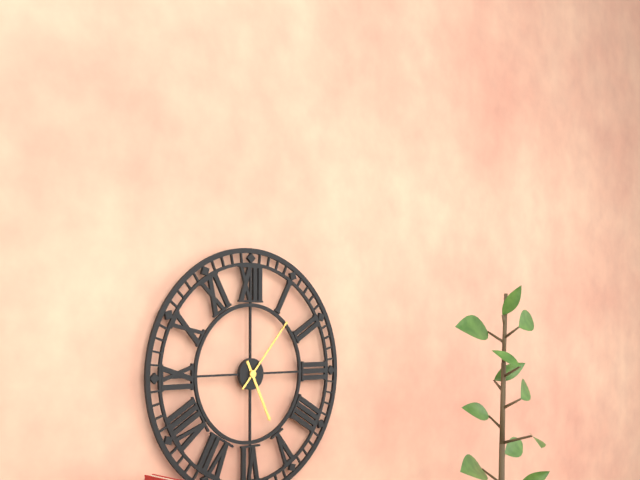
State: 5:07
